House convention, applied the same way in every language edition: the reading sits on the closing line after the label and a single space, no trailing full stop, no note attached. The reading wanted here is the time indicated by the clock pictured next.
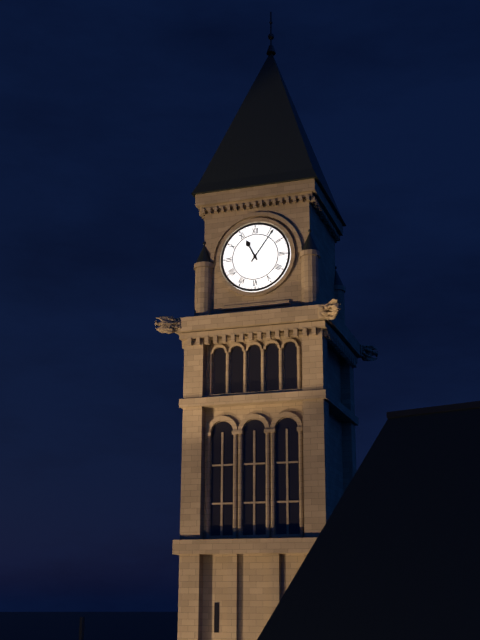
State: 11:06
